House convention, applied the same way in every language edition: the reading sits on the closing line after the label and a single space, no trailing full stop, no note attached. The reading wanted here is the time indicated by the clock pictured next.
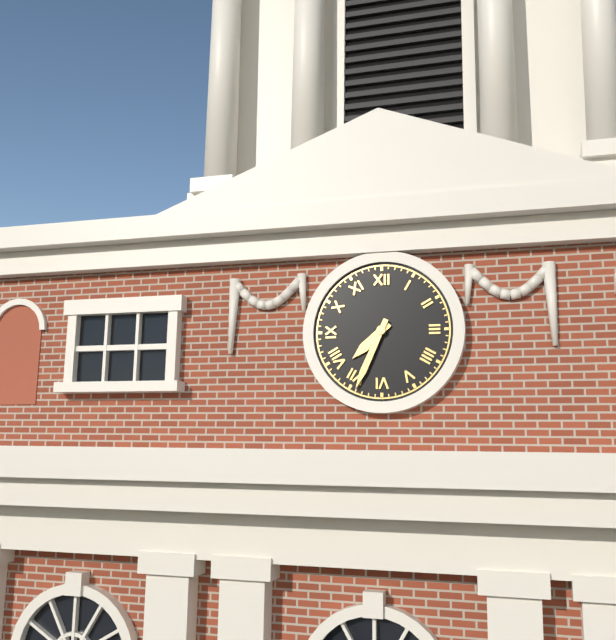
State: 7:34
